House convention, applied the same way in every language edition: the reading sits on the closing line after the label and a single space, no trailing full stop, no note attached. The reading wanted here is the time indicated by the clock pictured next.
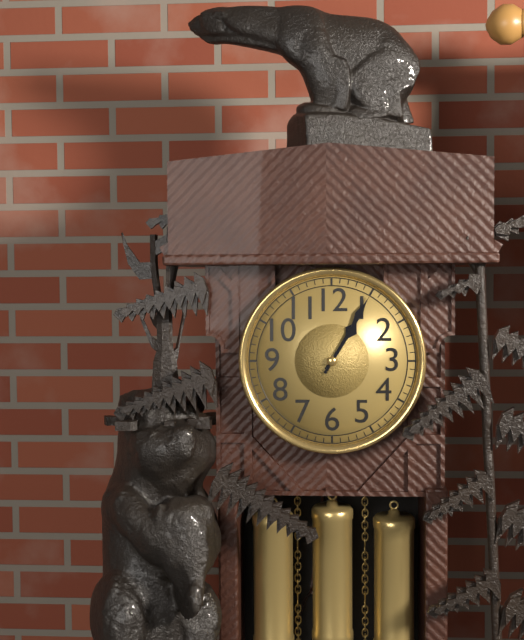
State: 1:05
